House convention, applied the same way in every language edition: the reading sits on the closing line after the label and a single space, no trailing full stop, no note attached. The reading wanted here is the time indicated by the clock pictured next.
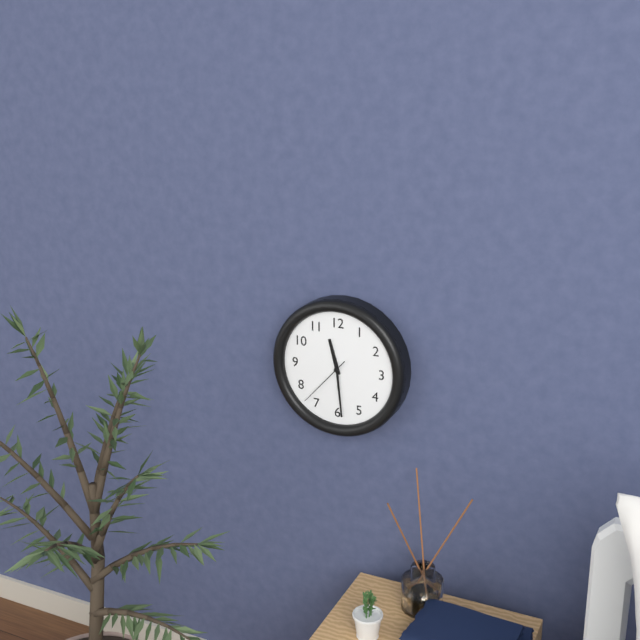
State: 11:29:37
